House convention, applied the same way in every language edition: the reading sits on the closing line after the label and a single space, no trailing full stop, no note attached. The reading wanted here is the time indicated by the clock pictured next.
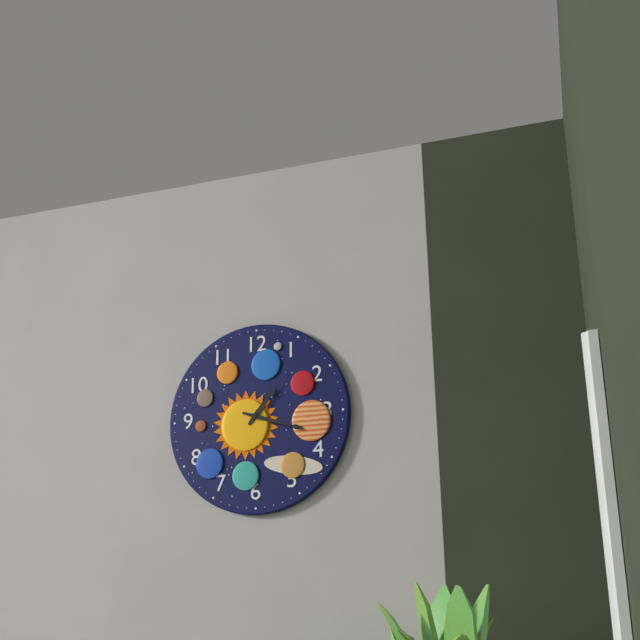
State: 1:18
